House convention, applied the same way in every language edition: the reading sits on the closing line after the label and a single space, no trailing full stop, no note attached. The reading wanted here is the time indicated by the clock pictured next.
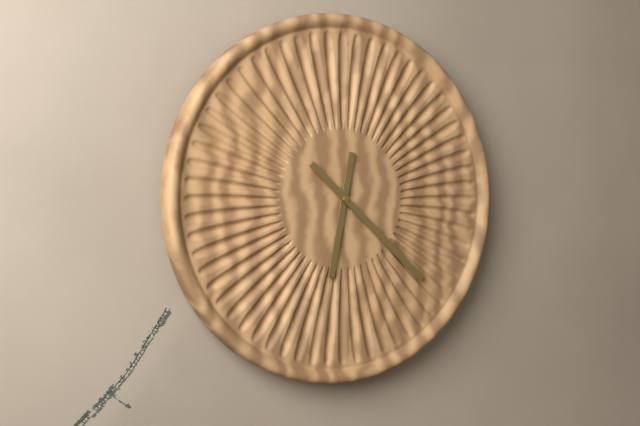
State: 6:22
